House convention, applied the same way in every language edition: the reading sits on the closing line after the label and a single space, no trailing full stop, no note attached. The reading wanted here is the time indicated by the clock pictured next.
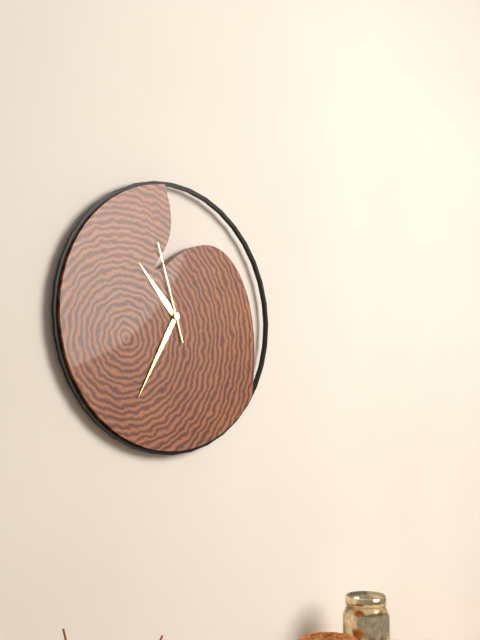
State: 10:35:57
